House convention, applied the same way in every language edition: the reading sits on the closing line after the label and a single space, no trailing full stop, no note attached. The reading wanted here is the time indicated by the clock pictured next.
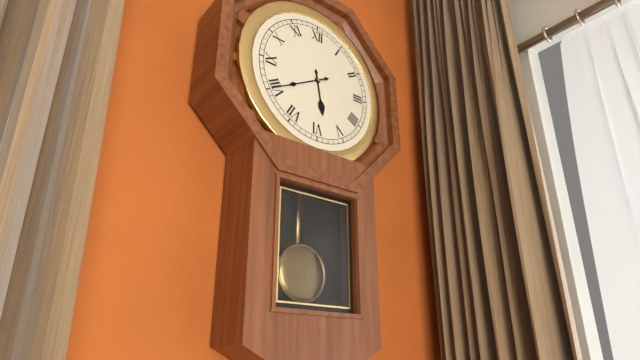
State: 5:40
